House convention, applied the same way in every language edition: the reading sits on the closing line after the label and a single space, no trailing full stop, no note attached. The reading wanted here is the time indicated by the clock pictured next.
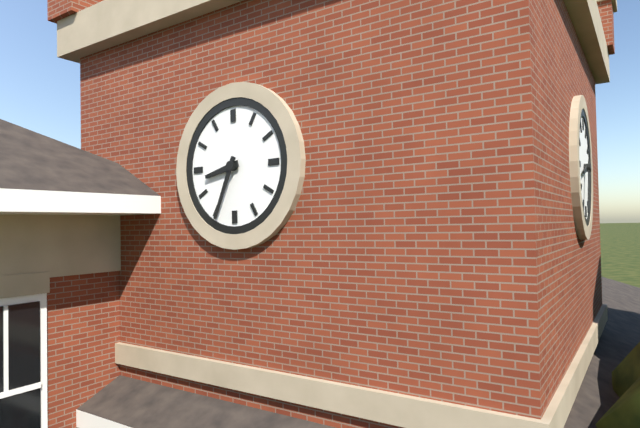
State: 8:34
